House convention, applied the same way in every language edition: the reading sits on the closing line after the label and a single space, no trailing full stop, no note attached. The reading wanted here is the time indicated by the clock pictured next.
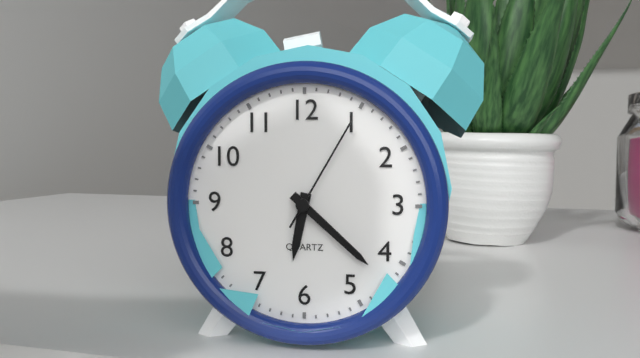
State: 6:22:05
